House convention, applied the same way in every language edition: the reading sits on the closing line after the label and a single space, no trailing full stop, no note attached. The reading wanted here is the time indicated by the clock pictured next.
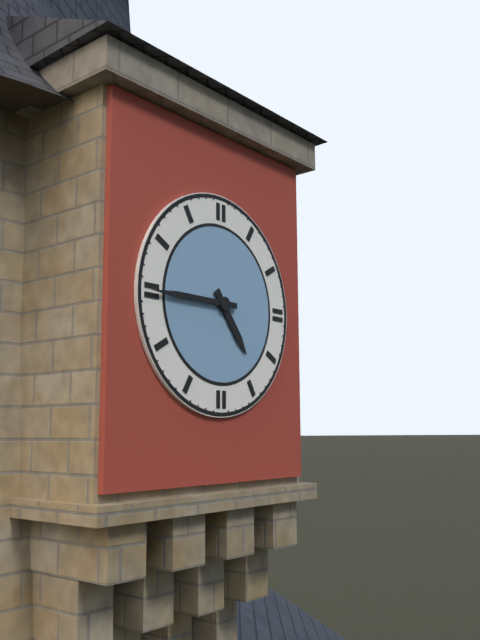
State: 4:45
